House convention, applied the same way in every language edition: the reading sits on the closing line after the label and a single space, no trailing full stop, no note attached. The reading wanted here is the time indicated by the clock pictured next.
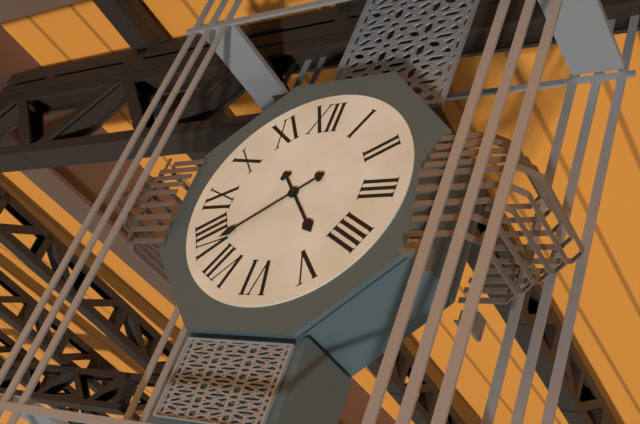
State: 4:39
